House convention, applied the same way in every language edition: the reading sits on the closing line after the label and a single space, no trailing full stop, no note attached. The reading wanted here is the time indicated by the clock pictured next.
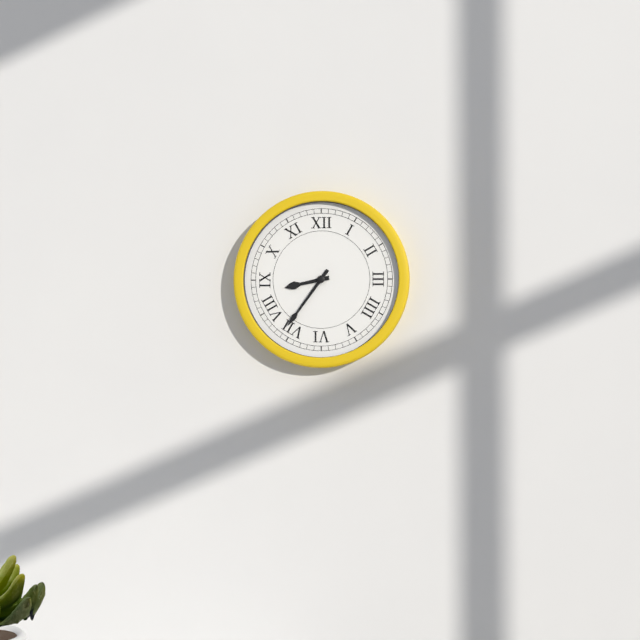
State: 8:36
